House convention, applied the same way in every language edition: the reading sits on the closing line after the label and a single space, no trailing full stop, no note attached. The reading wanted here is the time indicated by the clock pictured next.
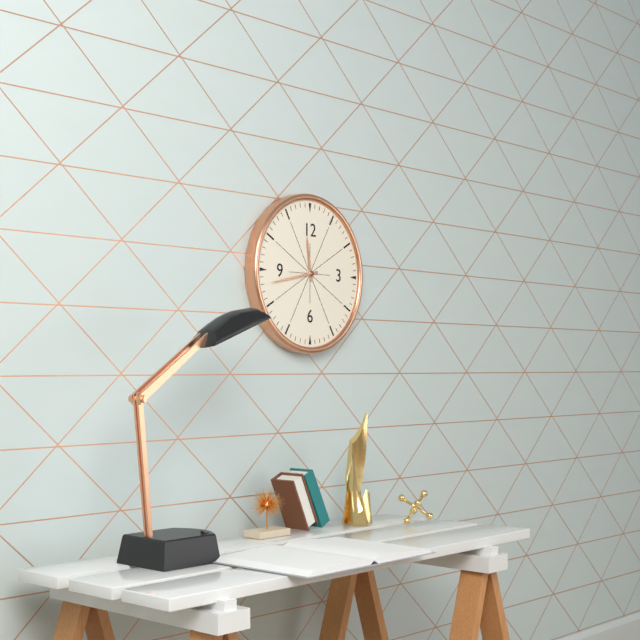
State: 11:43
